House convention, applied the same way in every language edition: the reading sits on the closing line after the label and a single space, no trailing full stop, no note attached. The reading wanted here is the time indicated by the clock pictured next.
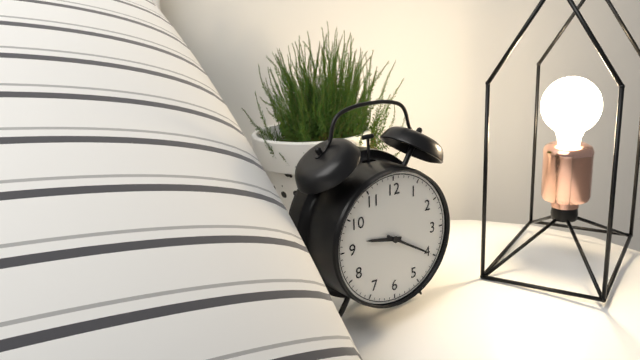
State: 9:20
